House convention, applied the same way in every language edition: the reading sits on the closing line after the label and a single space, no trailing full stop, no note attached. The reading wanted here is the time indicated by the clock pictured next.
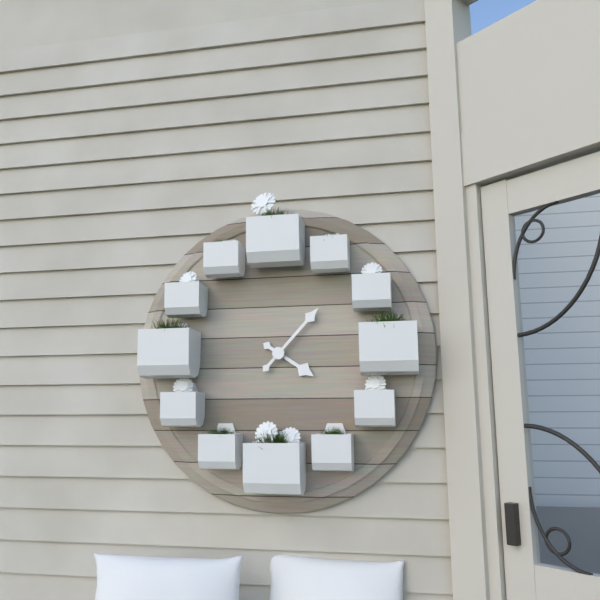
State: 4:07
